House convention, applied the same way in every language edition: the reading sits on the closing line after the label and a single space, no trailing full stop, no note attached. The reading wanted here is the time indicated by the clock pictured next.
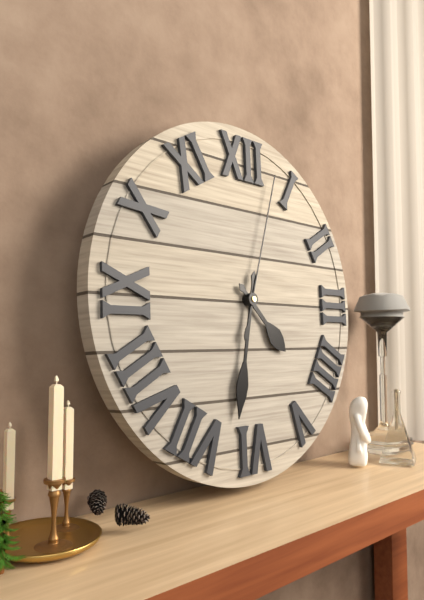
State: 4:32:03
